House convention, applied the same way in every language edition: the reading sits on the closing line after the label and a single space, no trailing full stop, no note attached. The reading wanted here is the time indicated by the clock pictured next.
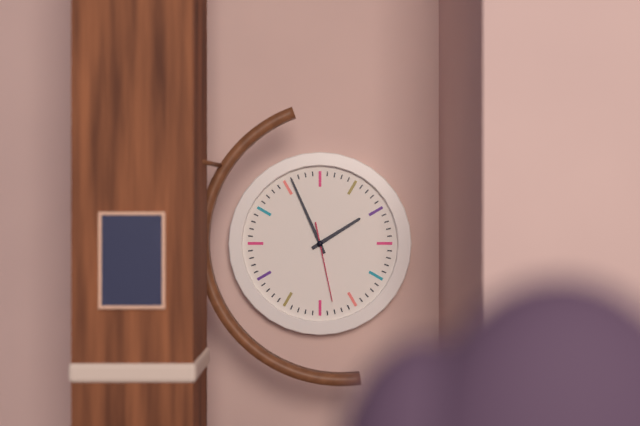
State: 1:56:28
